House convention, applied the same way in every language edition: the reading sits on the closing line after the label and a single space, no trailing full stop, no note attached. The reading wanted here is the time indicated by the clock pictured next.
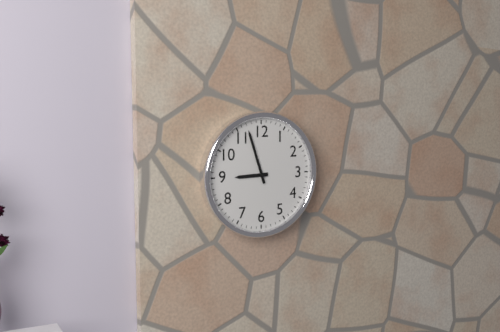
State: 8:57
